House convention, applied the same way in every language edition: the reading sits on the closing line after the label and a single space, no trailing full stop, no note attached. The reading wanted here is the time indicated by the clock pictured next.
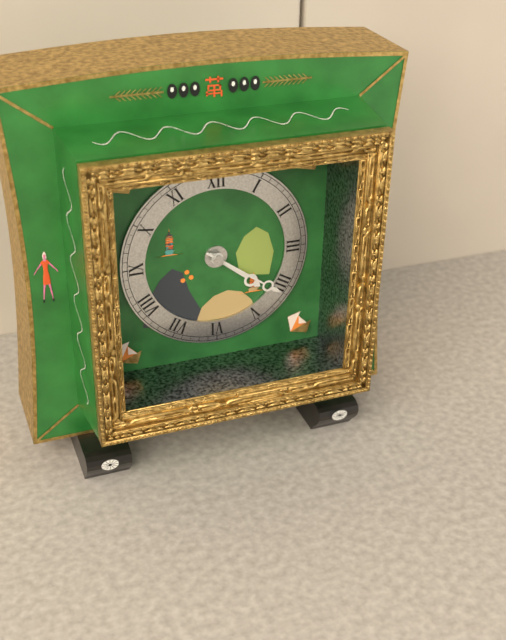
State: 4:21
